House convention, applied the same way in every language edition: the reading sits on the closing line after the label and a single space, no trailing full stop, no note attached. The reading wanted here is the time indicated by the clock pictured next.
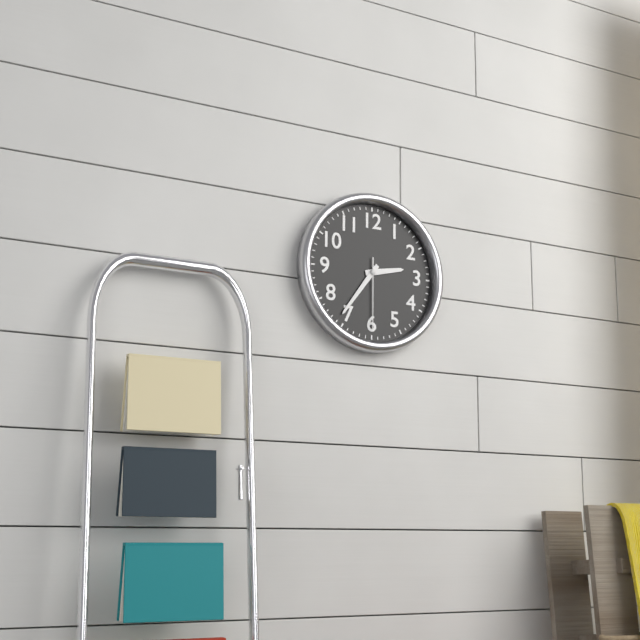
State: 2:36:30
